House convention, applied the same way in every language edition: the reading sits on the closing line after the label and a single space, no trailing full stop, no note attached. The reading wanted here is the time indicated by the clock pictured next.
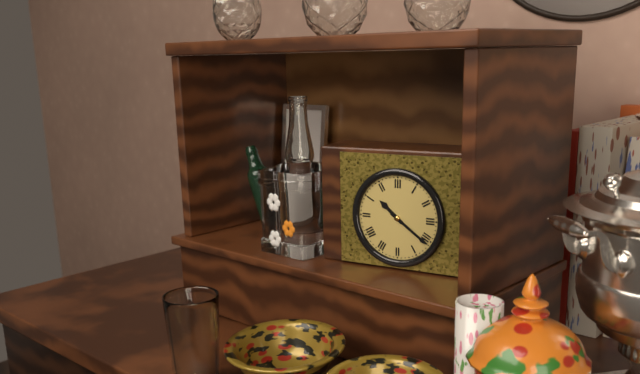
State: 10:21
